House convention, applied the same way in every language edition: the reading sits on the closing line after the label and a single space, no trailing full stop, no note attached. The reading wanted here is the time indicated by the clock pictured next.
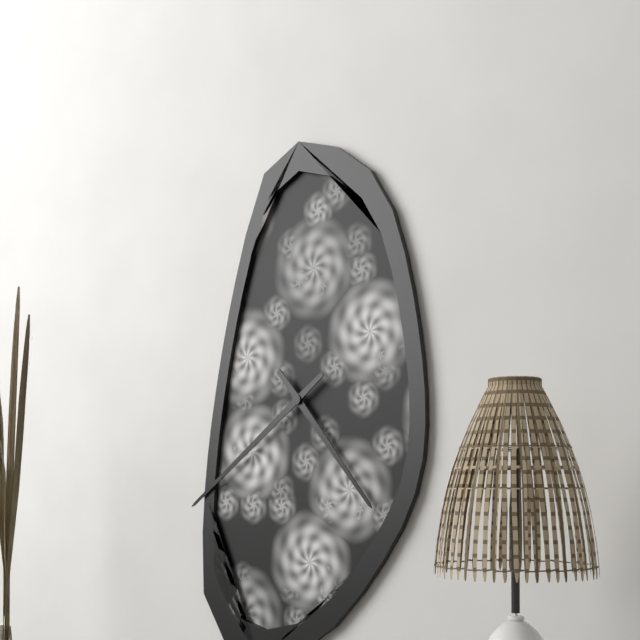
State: 4:39
